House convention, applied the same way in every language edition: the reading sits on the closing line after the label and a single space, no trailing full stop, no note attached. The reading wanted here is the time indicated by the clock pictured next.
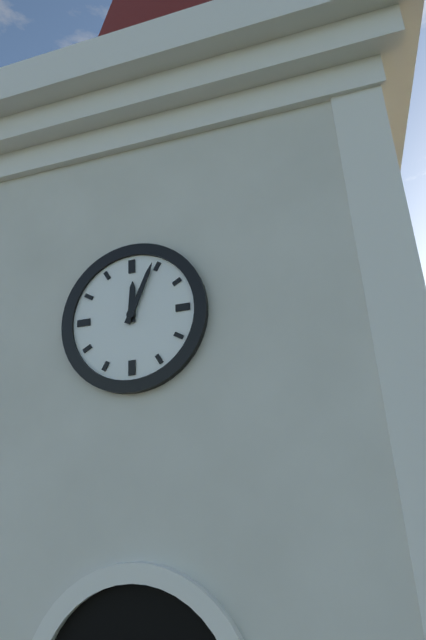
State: 12:04
